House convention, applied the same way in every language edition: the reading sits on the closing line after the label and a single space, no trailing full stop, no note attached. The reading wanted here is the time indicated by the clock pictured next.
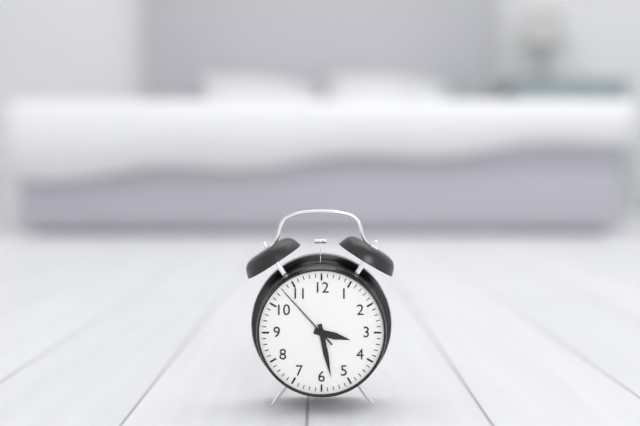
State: 3:28:53
